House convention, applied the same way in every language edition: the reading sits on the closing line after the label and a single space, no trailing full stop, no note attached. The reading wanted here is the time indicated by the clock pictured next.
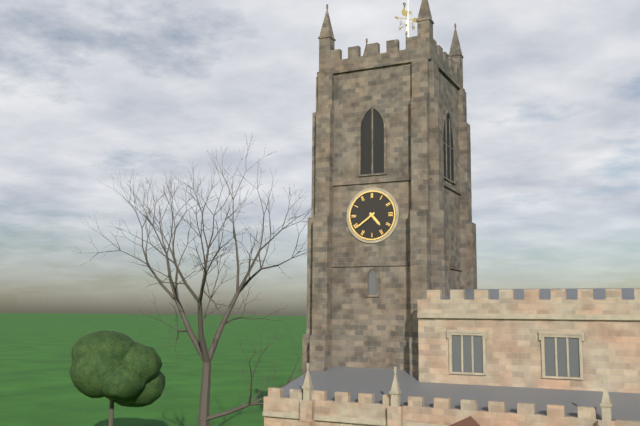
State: 4:39
